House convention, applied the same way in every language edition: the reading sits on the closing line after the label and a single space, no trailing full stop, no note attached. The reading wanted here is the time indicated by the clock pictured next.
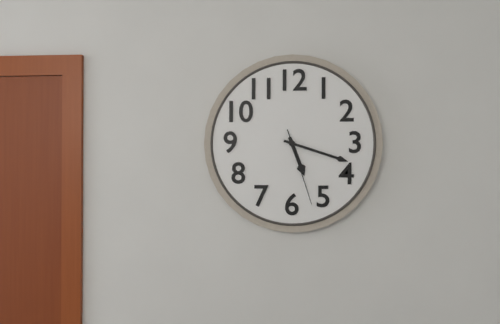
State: 5:18:27
